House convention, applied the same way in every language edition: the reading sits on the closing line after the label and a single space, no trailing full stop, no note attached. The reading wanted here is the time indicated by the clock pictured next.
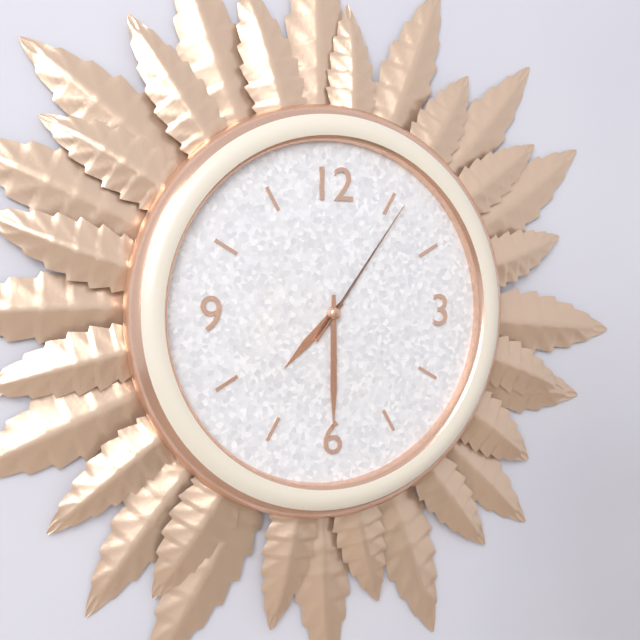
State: 7:30:06
